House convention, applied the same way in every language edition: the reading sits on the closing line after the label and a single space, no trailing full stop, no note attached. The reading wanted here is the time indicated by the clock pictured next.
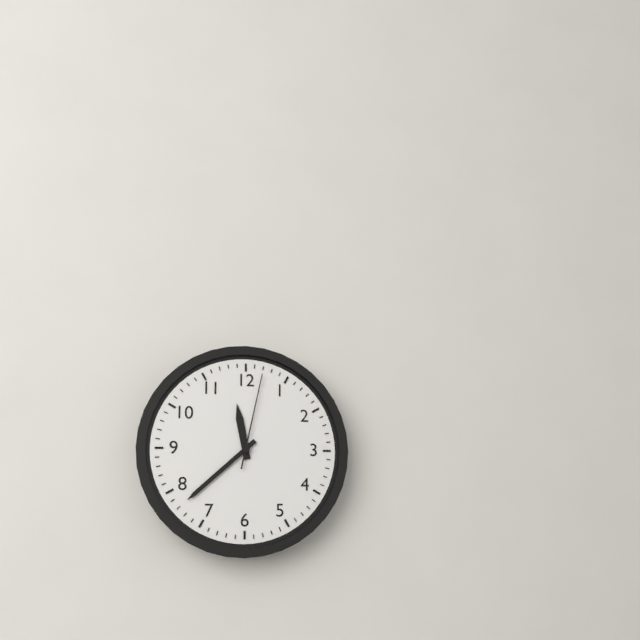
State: 11:38:02
